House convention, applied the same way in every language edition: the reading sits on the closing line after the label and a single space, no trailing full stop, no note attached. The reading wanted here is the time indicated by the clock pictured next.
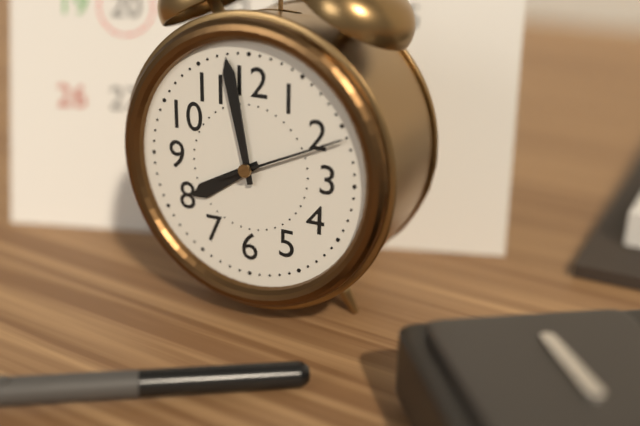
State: 7:58:11
